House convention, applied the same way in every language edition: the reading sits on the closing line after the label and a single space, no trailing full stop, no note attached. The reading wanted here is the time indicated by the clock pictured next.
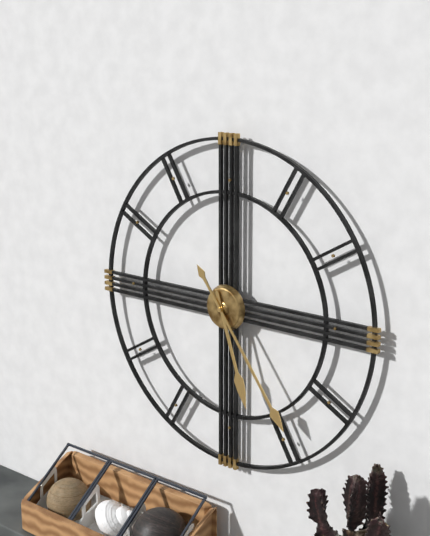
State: 5:24
